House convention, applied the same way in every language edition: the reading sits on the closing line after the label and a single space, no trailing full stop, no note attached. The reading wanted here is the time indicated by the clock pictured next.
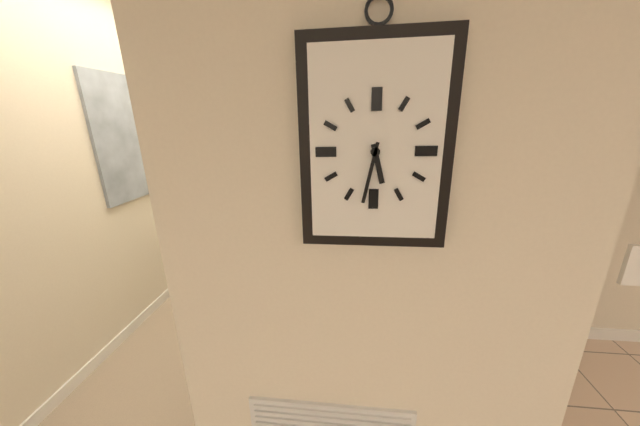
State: 5:32
